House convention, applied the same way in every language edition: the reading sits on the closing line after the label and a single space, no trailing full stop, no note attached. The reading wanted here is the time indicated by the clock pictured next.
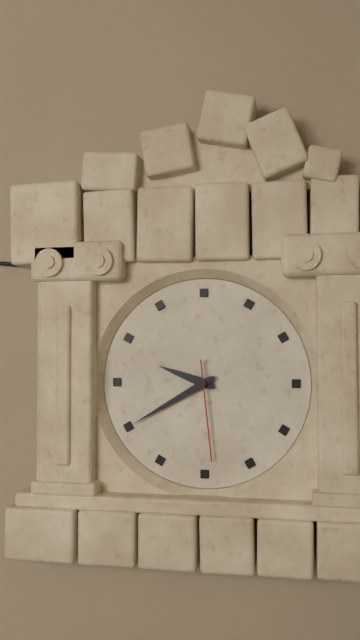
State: 9:40:29
